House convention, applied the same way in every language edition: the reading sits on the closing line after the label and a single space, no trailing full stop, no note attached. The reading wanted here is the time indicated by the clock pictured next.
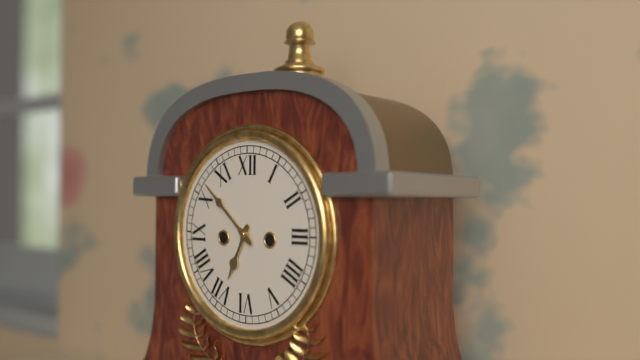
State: 6:52
